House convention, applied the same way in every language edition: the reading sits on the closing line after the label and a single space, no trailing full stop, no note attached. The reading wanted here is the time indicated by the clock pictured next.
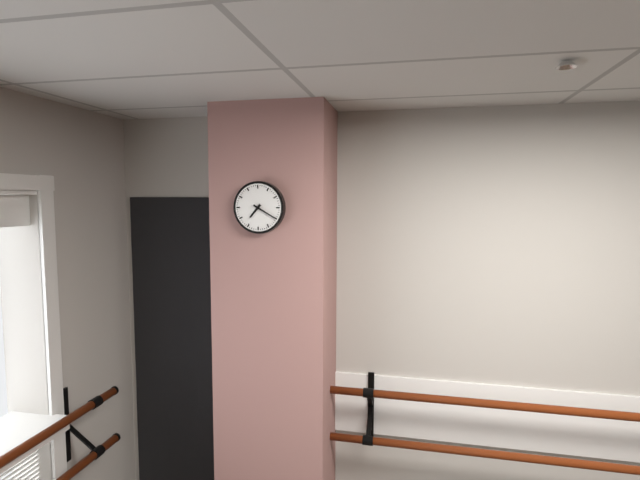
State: 7:20
